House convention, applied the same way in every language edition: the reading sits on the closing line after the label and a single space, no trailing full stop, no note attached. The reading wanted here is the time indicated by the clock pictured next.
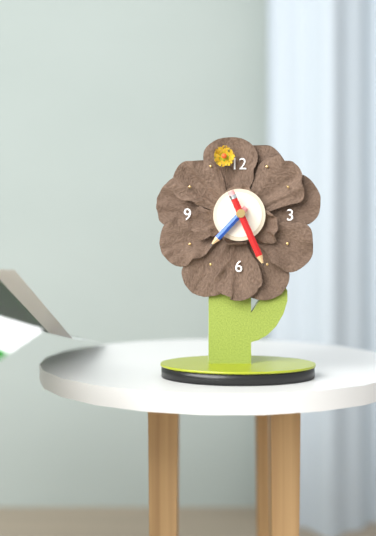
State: 7:26
